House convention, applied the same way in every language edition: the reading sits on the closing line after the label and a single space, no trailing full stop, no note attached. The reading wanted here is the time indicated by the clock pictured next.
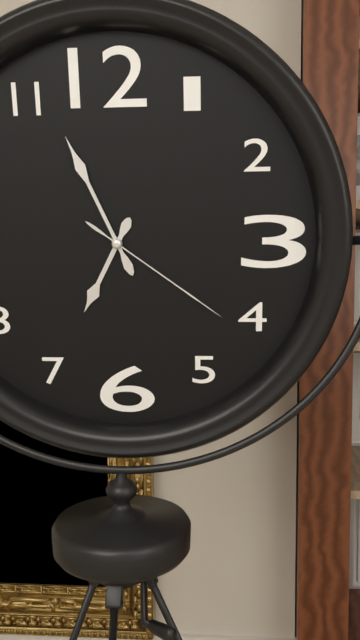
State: 6:56:21
